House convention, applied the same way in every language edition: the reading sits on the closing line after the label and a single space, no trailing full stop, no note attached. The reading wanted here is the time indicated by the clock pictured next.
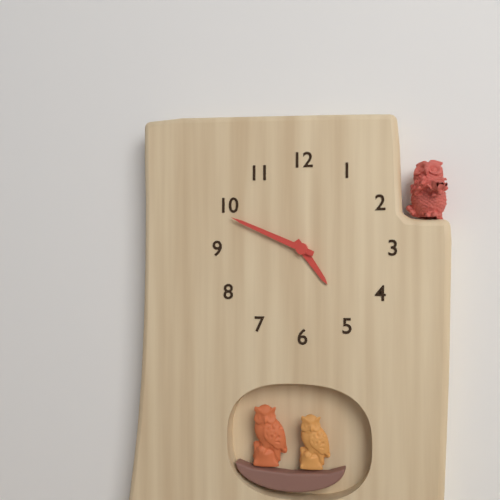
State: 4:49
